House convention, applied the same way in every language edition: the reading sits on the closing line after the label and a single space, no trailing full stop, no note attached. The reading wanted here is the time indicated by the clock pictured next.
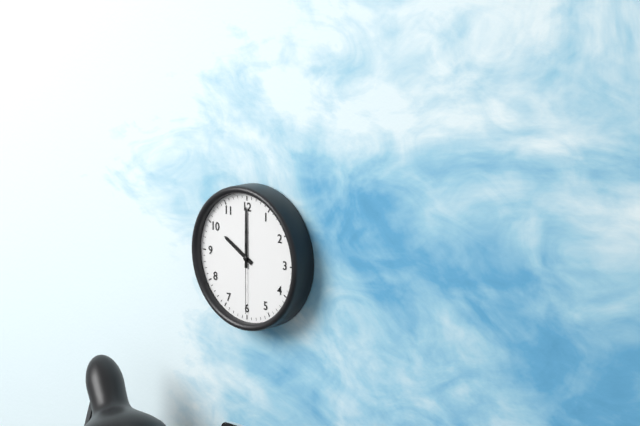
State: 10:00:30
